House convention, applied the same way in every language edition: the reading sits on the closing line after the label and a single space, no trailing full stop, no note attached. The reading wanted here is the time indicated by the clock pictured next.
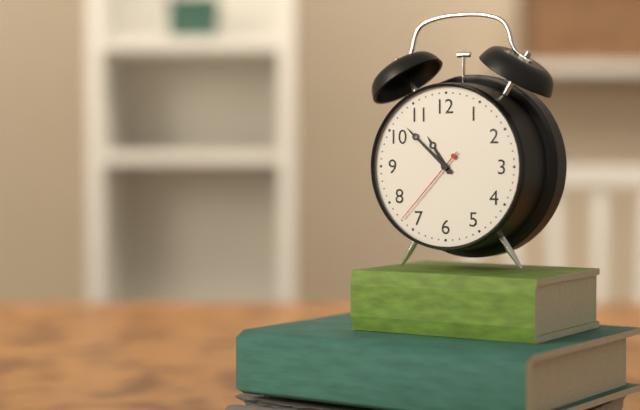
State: 10:52:37
